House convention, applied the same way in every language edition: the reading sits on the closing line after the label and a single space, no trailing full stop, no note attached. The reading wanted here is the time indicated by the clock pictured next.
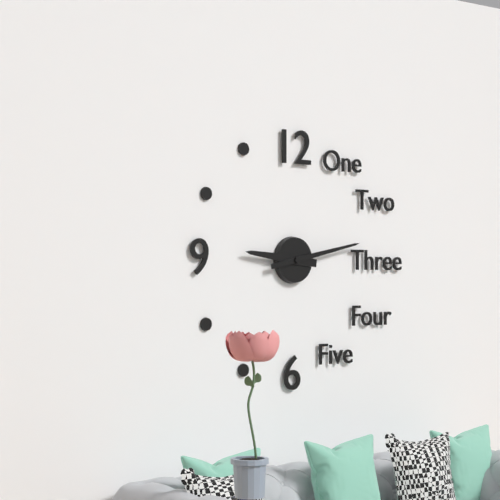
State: 9:13
